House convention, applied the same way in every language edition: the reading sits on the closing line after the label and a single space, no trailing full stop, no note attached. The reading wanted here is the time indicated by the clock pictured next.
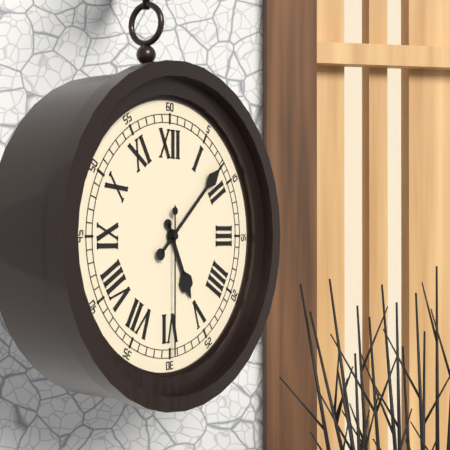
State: 5:08:30
